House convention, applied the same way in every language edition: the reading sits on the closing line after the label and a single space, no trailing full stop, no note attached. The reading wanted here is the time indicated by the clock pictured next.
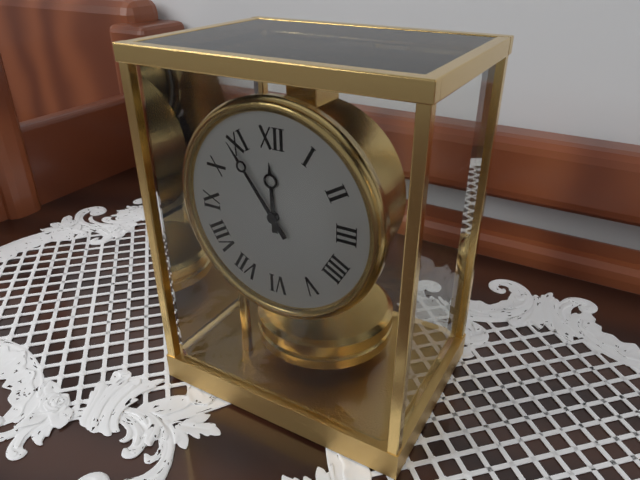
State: 11:54
